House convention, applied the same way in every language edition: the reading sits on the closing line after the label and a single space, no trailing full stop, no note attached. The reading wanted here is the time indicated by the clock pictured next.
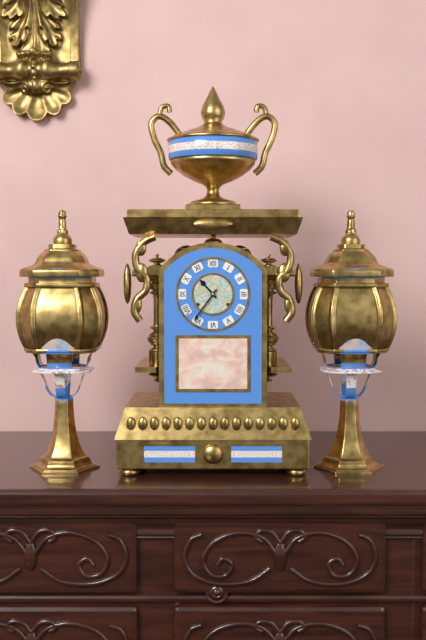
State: 10:36
